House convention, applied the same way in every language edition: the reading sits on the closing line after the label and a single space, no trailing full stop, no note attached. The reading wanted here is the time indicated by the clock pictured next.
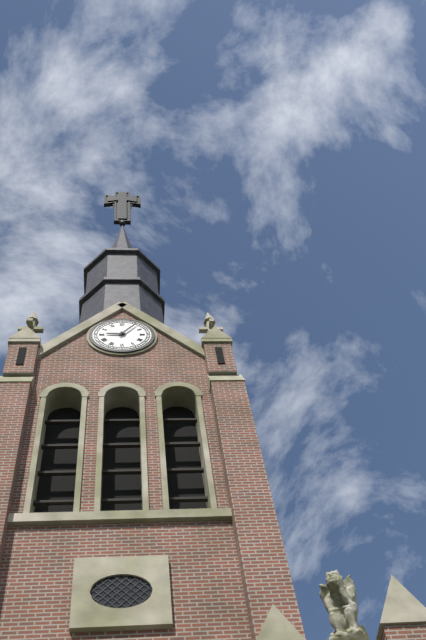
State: 9:06
